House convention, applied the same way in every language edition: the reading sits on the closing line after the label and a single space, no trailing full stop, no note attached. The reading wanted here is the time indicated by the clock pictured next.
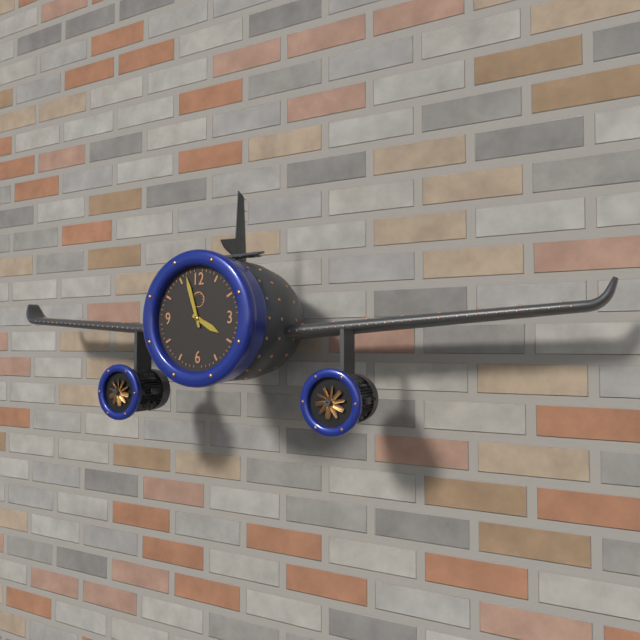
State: 3:57
